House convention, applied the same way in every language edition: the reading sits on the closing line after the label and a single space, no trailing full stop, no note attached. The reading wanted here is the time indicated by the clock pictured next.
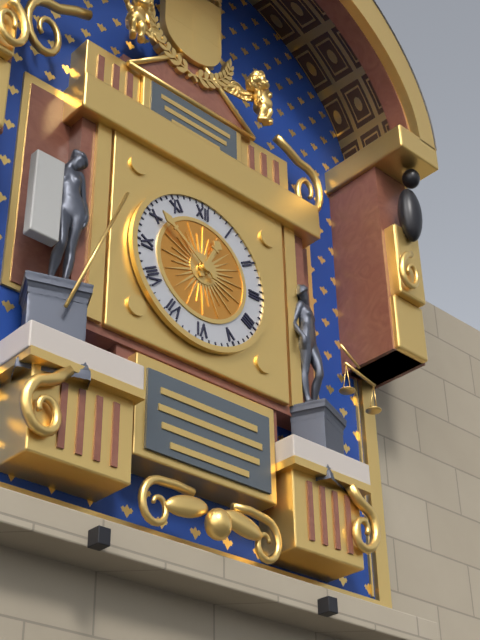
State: 12:51
